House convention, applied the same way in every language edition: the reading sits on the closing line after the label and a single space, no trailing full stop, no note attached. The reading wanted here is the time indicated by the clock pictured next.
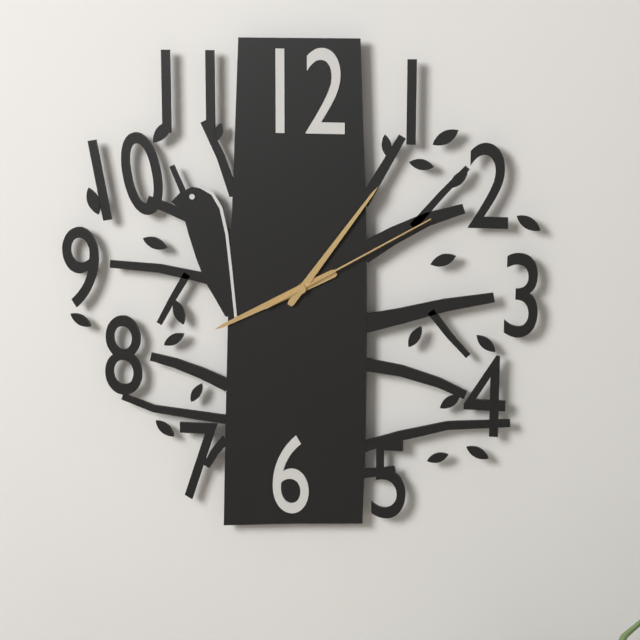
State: 8:06:10
